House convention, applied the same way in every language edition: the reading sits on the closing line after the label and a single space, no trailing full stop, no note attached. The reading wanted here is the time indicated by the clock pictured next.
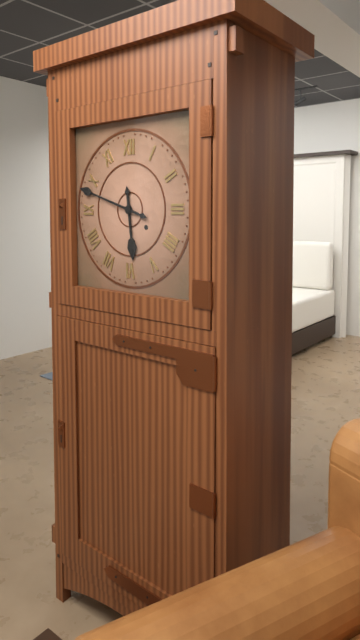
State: 5:48
